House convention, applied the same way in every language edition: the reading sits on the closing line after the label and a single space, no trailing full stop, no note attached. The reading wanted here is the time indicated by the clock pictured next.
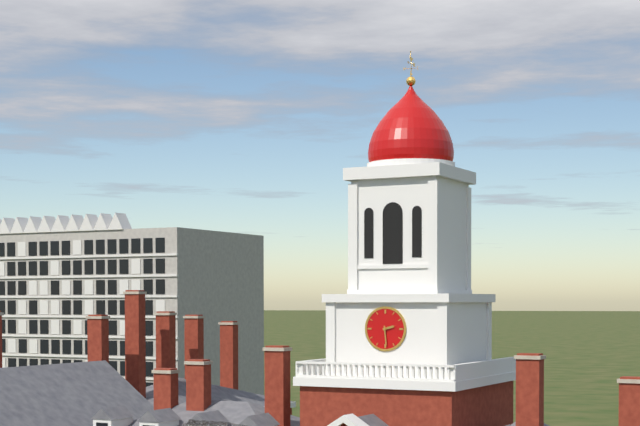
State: 2:29
